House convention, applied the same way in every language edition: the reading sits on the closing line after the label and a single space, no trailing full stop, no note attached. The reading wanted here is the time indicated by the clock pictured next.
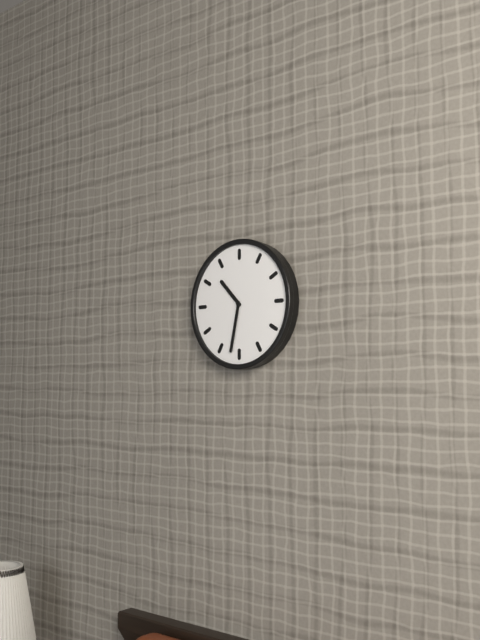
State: 10:32
